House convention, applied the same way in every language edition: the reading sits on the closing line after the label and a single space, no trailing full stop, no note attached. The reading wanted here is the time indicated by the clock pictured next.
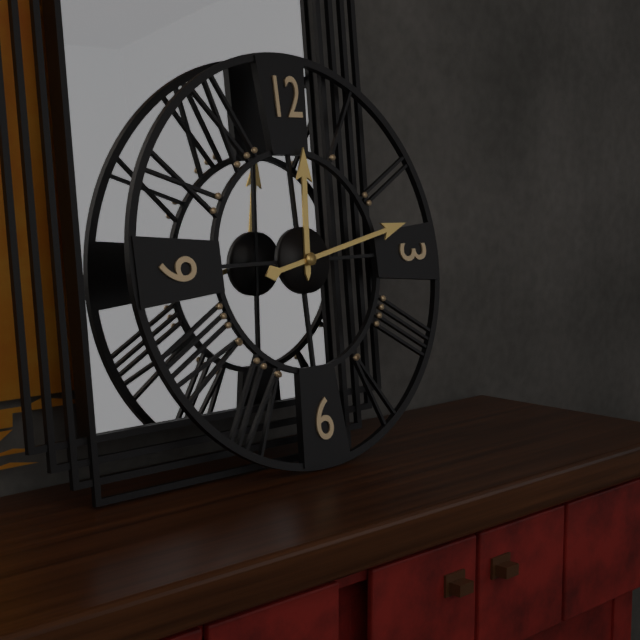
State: 12:13
